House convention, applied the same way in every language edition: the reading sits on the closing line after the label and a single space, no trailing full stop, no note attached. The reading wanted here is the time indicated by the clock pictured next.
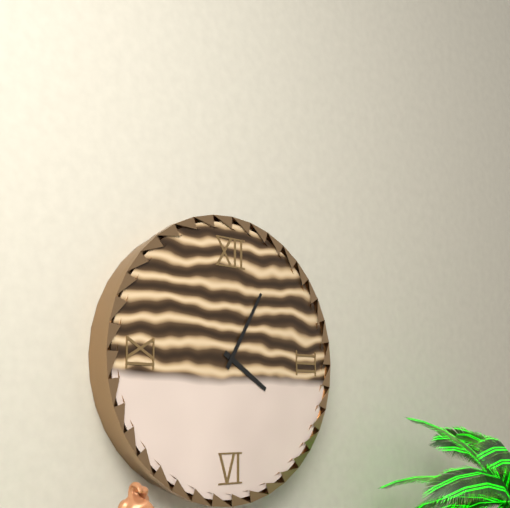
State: 4:05
